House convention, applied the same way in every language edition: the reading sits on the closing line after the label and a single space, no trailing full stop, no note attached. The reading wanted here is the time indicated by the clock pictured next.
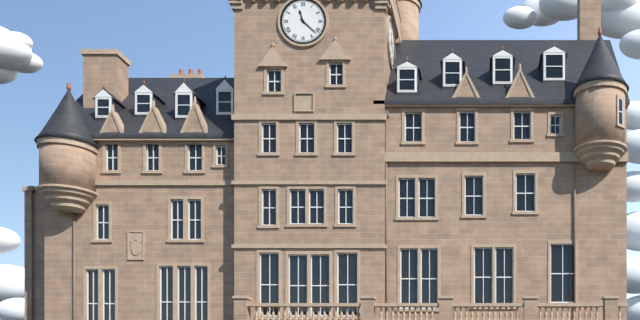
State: 11:22
